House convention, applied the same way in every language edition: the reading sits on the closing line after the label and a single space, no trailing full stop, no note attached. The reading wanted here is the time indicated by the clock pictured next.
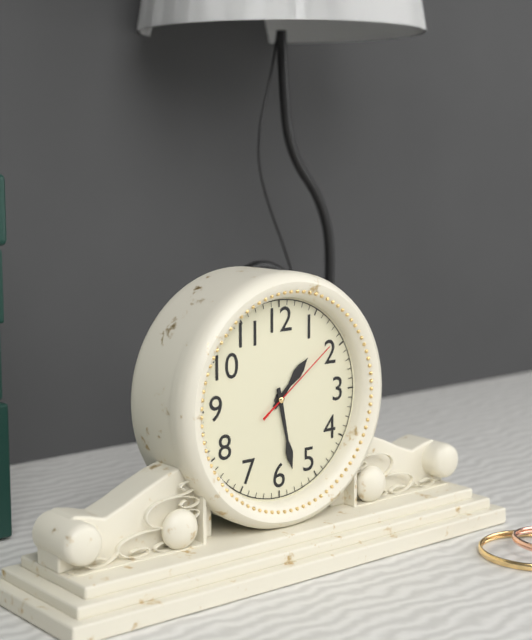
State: 1:28:09
